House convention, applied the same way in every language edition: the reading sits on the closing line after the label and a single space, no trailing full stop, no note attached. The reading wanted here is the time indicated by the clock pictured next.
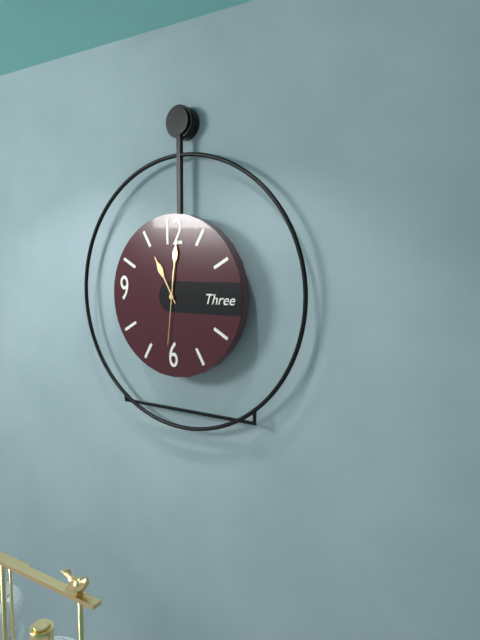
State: 11:01:31
